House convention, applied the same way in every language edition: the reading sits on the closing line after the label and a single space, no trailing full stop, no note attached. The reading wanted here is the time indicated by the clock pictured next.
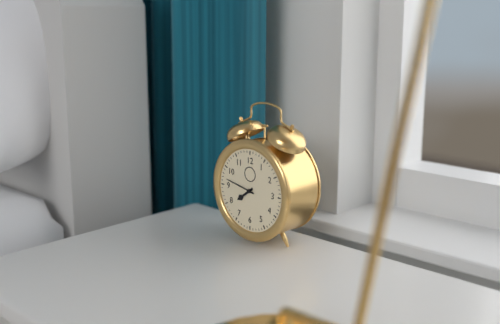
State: 7:47
